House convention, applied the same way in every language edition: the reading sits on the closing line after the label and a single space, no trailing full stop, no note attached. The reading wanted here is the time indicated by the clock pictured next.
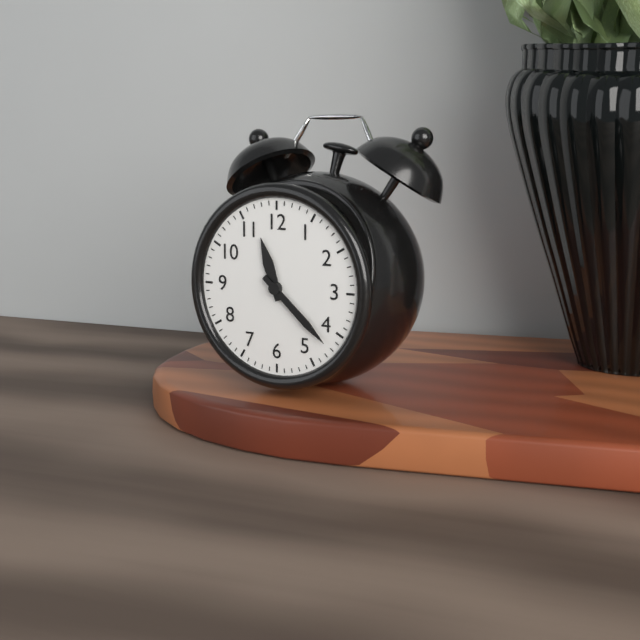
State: 11:22
